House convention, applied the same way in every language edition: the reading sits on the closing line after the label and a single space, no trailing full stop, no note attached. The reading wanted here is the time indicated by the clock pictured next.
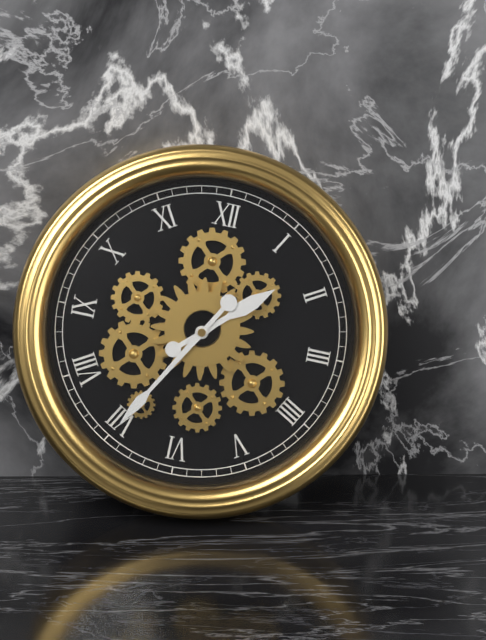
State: 1:35
